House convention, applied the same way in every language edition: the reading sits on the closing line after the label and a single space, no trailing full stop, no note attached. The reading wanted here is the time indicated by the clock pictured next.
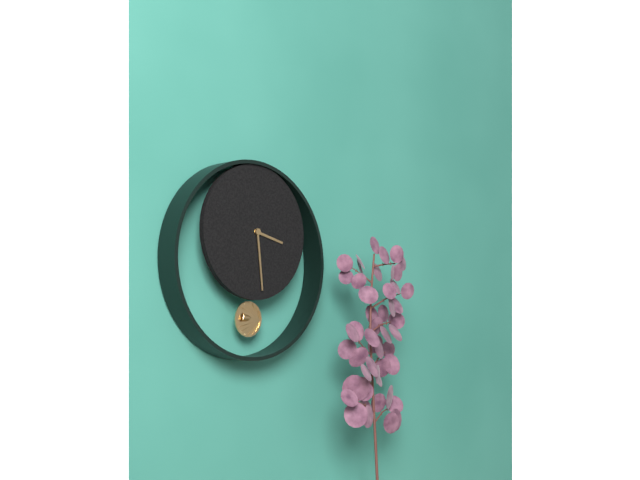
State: 3:29
